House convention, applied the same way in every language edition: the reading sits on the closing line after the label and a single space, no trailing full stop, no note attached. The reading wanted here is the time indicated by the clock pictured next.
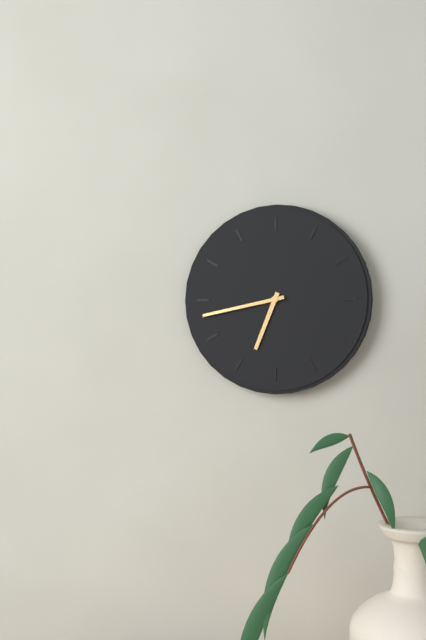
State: 6:43
